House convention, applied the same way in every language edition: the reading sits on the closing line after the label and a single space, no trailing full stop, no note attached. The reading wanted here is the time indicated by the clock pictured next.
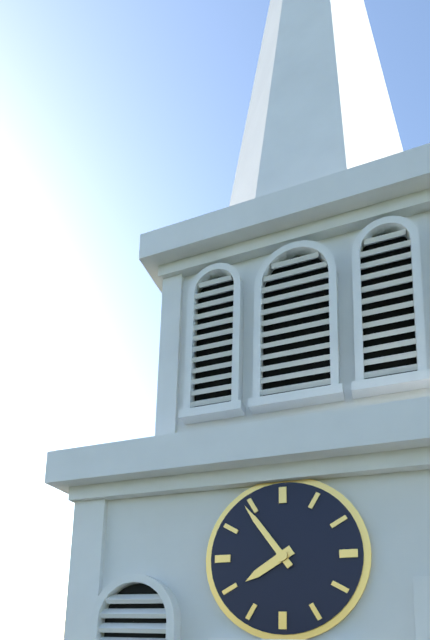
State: 7:54
